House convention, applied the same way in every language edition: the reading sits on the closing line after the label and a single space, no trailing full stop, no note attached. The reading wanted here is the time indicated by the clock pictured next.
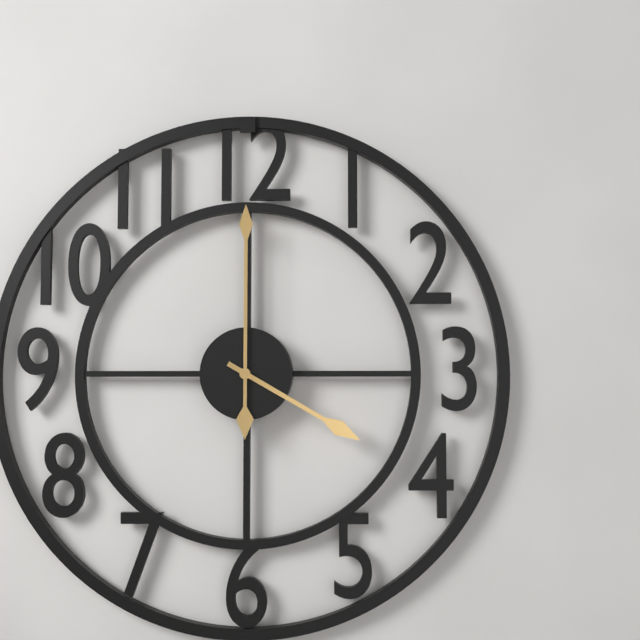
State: 4:00
